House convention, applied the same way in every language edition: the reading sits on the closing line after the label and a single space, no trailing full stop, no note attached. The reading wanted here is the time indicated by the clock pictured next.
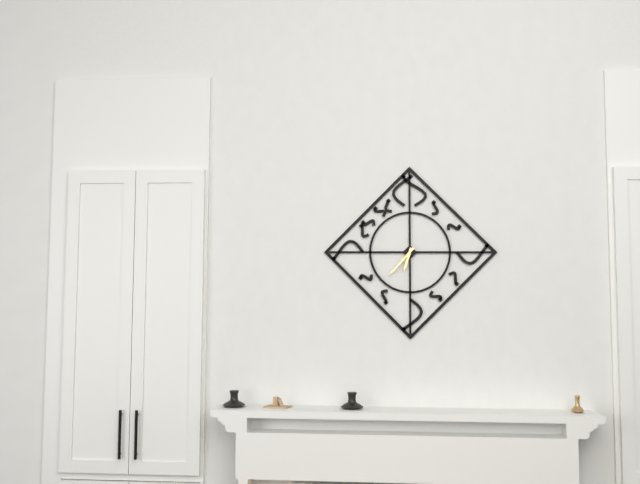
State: 6:37
